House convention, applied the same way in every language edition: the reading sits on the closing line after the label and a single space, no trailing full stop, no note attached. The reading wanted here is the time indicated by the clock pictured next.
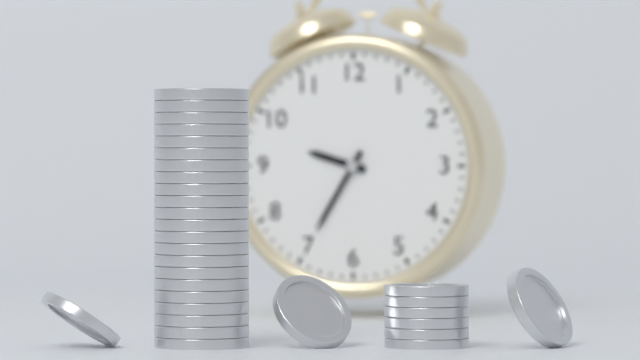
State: 9:35
